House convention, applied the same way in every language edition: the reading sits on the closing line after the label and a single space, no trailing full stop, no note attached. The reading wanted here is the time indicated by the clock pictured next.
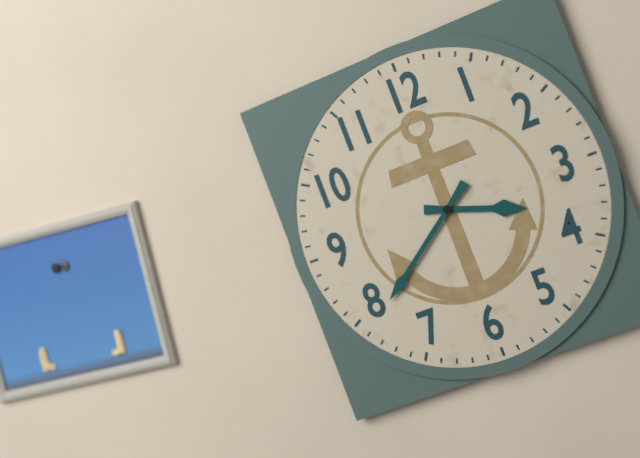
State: 3:39
